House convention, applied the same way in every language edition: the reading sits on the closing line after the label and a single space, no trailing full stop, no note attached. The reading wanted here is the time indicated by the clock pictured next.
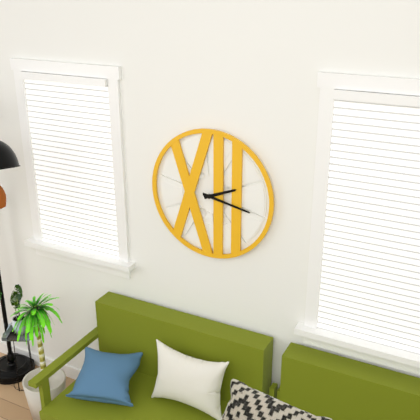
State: 2:17
